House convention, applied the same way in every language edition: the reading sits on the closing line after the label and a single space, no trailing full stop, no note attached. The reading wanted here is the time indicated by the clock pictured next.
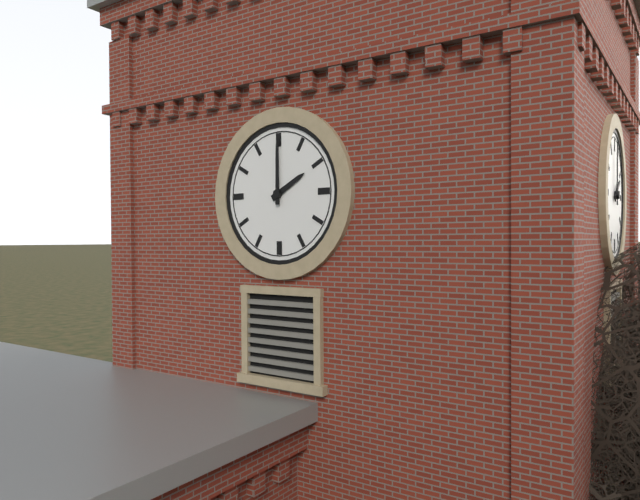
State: 2:00
